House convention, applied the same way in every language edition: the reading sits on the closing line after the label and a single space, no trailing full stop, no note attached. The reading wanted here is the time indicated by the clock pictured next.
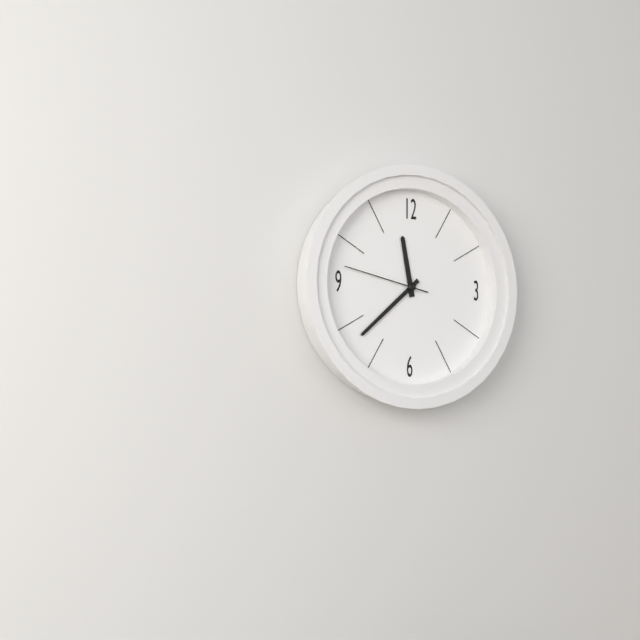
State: 11:38:47
